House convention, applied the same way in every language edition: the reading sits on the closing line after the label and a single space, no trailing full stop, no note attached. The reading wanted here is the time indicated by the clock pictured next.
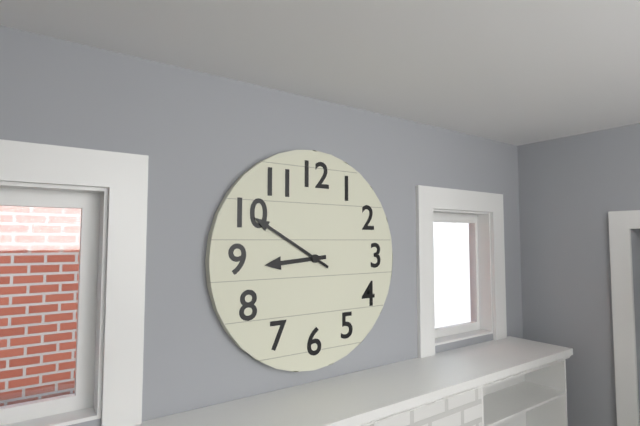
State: 8:50
